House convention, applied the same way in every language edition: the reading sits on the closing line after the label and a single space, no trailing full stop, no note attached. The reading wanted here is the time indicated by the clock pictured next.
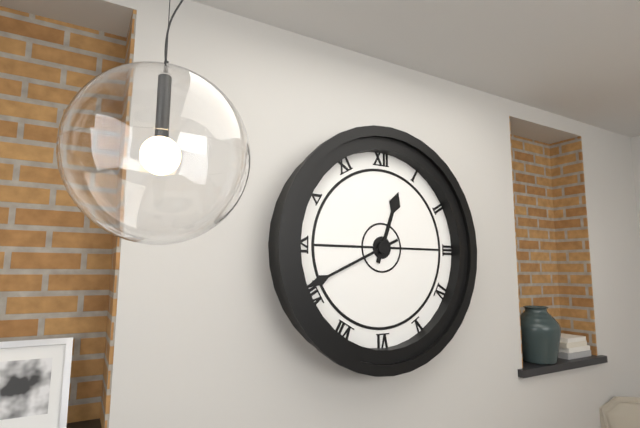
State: 12:41
